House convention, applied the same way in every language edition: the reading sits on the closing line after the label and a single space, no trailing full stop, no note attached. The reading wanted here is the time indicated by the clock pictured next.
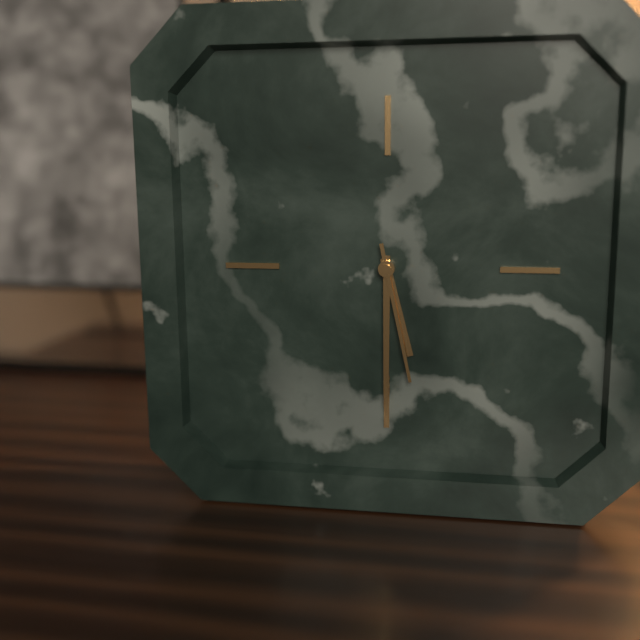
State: 5:30:28
